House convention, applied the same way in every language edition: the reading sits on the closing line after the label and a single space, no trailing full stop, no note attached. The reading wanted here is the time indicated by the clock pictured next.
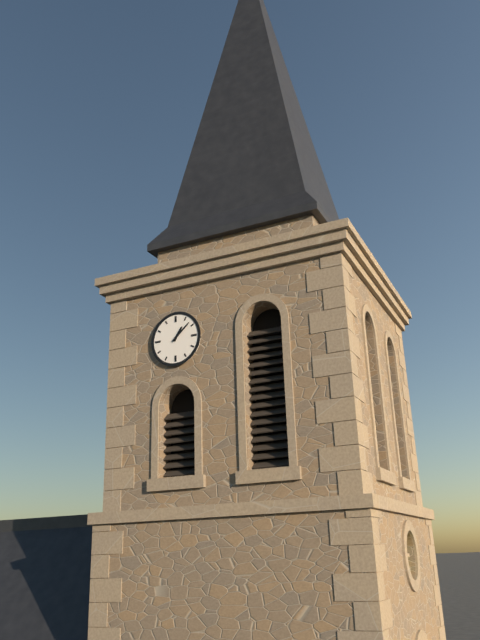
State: 1:08
